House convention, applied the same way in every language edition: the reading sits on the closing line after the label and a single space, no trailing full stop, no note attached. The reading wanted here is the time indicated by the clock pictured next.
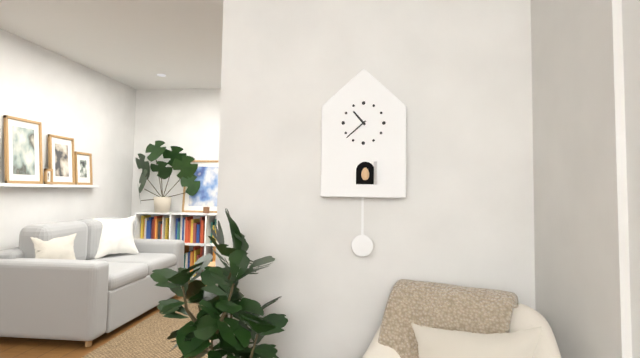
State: 10:38
